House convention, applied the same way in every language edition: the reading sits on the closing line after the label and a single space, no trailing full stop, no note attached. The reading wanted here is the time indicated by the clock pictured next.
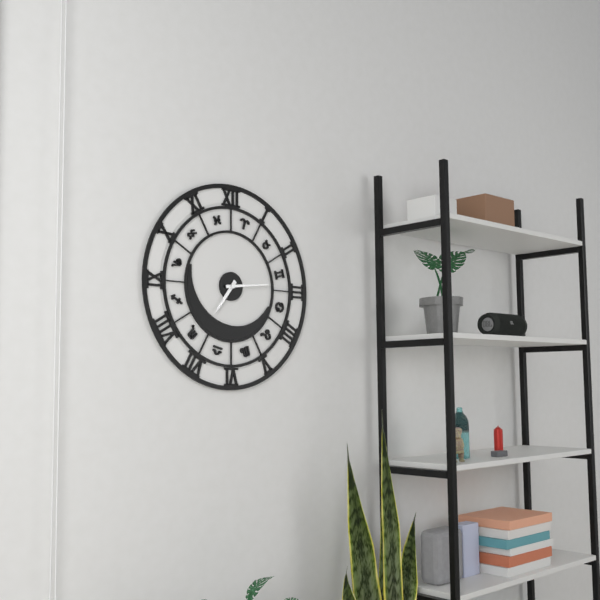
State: 7:14
